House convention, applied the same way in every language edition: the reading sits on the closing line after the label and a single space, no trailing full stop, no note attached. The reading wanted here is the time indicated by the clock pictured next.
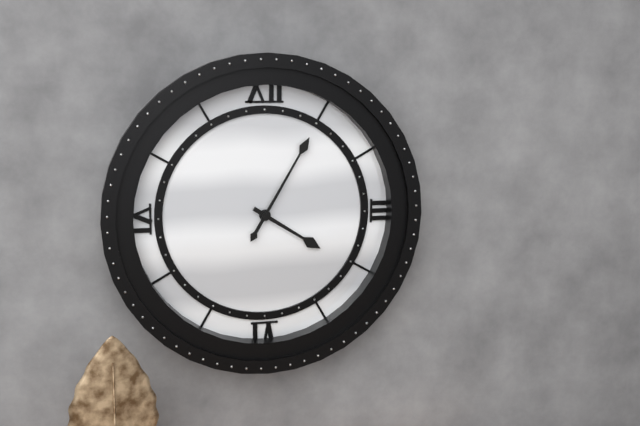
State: 4:05
